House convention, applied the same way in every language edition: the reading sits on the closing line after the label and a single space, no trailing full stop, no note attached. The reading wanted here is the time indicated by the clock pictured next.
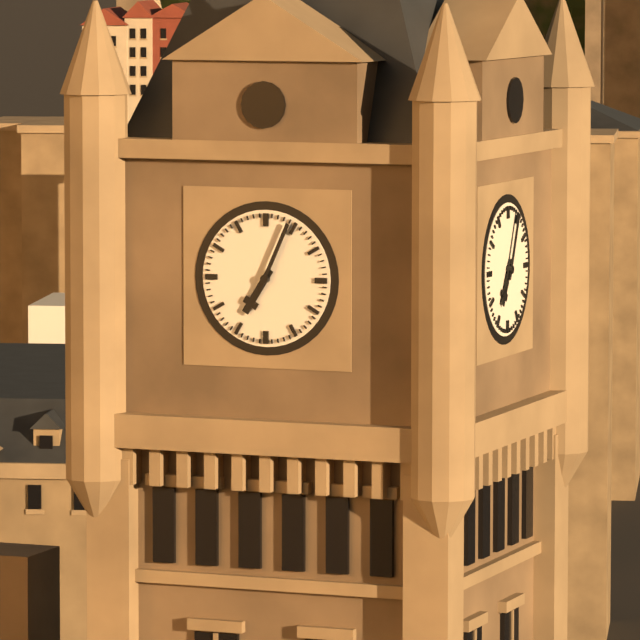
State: 7:04
